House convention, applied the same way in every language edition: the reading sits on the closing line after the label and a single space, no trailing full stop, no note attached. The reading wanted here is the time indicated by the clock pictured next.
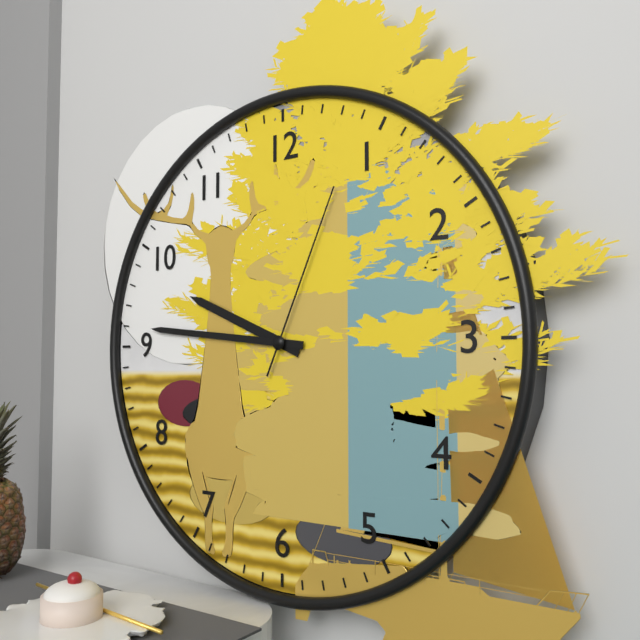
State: 9:46:04
